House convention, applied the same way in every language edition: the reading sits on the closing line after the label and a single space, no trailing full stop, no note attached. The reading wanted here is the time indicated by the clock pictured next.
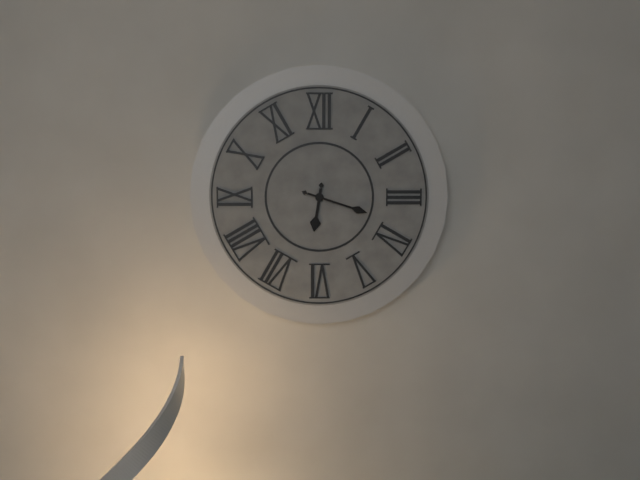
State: 6:18
